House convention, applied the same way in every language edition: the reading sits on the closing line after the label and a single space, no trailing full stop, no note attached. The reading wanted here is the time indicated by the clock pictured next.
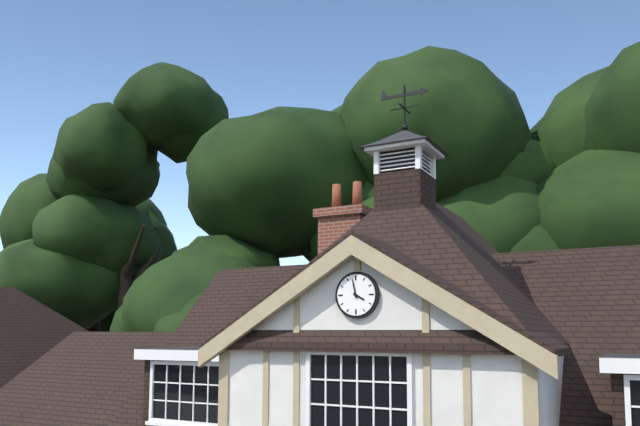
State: 3:58
